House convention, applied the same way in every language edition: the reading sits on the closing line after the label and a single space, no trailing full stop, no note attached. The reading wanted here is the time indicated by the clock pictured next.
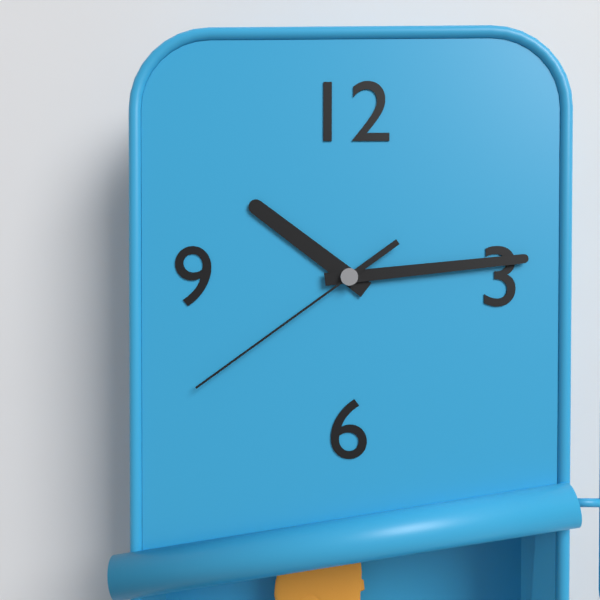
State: 10:14:39
